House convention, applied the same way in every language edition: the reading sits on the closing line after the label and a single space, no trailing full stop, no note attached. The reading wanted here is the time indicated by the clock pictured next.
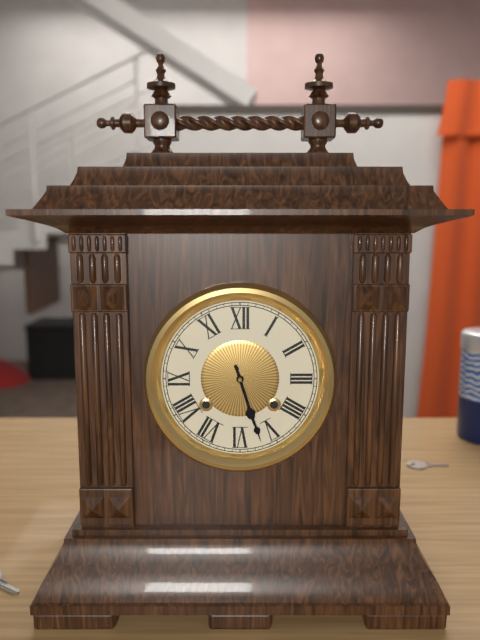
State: 5:27
